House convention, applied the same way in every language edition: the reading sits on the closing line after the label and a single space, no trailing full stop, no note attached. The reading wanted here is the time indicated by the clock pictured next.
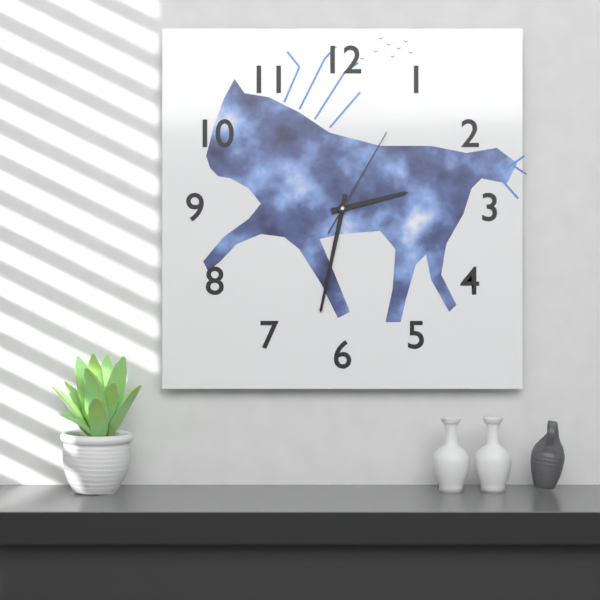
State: 2:32:05
